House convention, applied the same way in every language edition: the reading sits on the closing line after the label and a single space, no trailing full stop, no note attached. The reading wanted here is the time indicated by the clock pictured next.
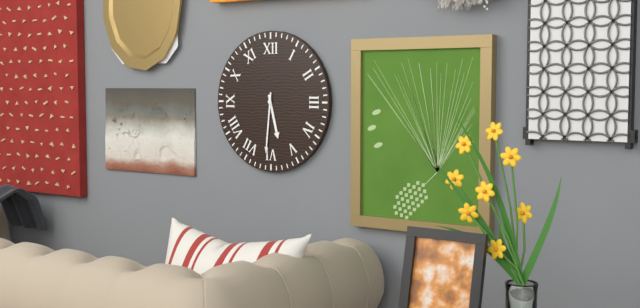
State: 5:31
